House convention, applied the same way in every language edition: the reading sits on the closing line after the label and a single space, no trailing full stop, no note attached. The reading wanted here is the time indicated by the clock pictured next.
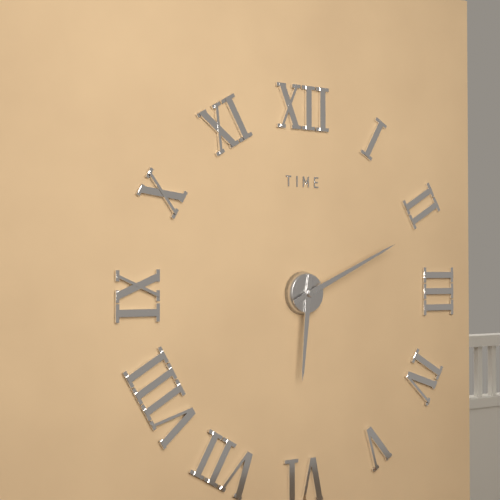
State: 6:11
